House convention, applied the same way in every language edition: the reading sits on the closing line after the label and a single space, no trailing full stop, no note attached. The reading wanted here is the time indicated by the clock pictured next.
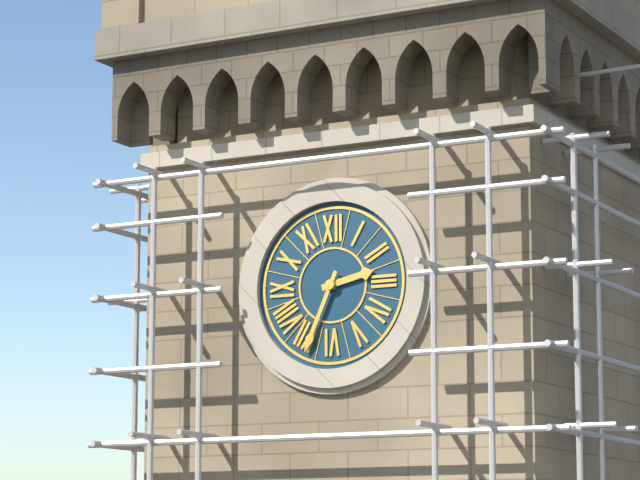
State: 2:34
